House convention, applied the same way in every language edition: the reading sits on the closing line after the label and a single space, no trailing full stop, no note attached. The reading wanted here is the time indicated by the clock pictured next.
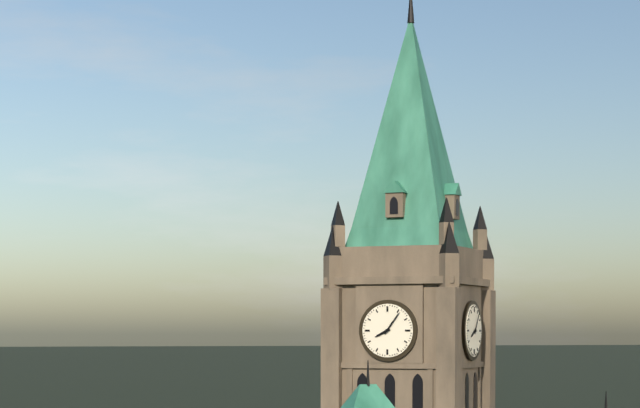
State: 8:06
